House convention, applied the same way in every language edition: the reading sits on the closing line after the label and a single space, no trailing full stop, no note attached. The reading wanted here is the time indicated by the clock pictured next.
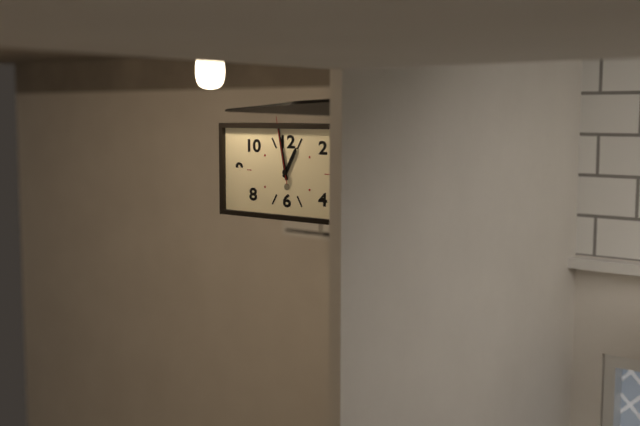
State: 12:58:58
